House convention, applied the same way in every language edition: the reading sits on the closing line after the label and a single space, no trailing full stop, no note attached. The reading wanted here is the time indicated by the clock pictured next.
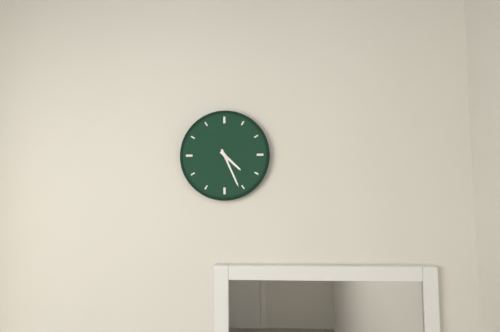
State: 4:26
